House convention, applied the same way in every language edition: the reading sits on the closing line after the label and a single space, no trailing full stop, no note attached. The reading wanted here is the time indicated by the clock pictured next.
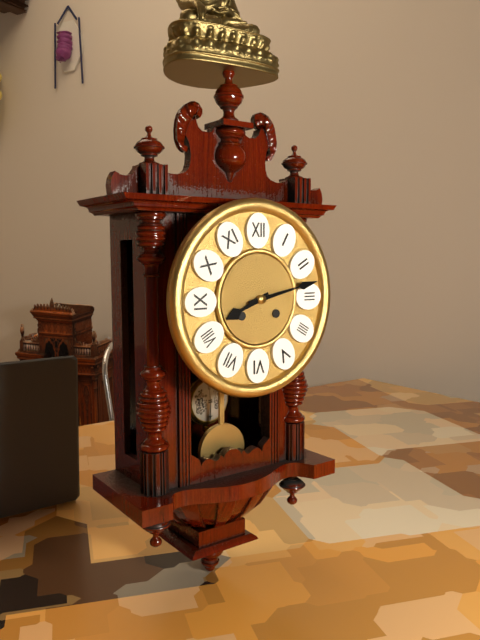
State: 8:13
